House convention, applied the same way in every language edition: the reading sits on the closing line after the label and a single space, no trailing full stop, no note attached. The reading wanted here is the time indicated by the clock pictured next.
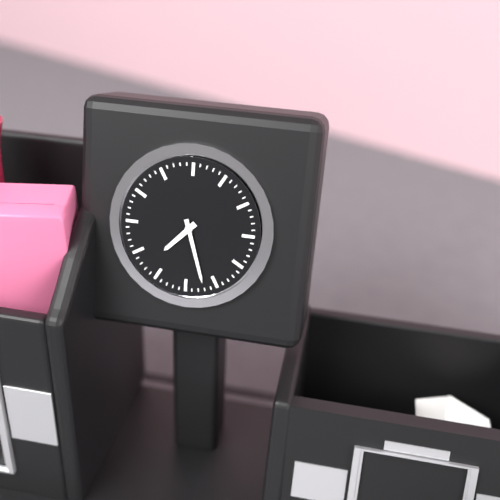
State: 7:27
